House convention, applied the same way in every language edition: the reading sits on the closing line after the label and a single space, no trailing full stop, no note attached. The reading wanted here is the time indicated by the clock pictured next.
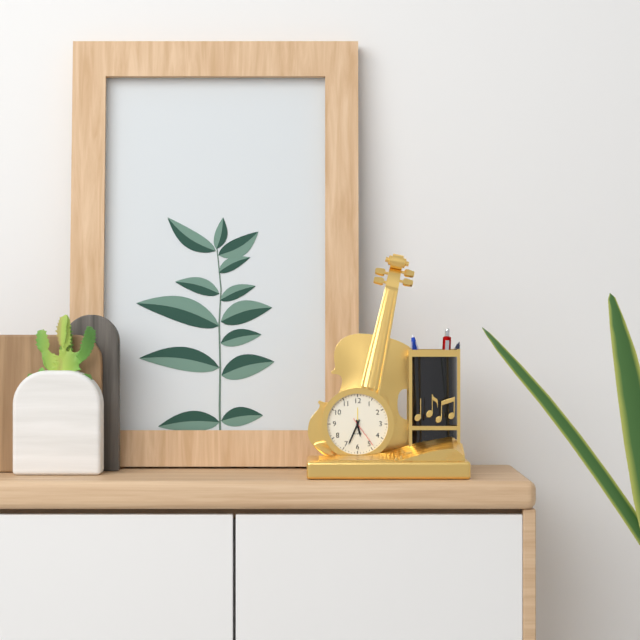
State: 5:34
